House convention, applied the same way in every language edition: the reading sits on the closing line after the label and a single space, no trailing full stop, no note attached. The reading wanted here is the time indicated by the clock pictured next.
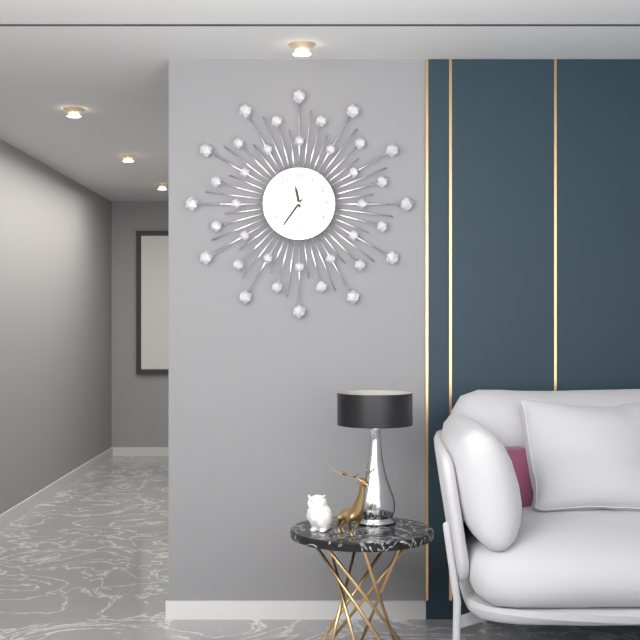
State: 11:36
